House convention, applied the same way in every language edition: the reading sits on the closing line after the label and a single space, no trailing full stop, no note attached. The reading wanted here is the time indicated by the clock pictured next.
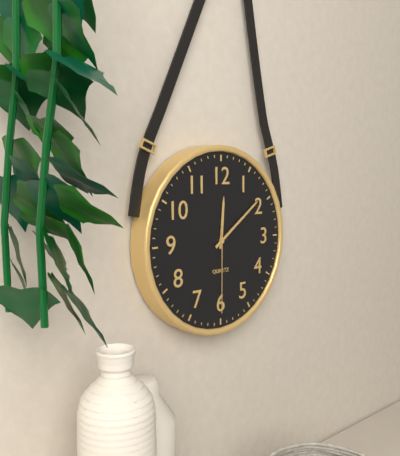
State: 12:09:30
